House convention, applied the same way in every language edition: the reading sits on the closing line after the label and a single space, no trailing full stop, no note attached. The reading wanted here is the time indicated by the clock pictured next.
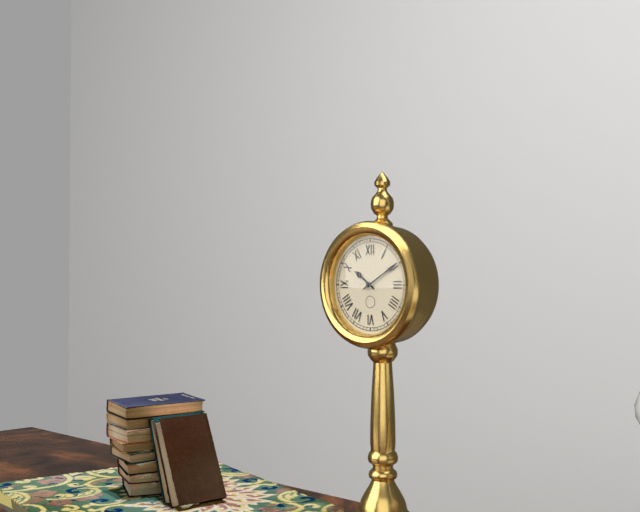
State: 10:10
